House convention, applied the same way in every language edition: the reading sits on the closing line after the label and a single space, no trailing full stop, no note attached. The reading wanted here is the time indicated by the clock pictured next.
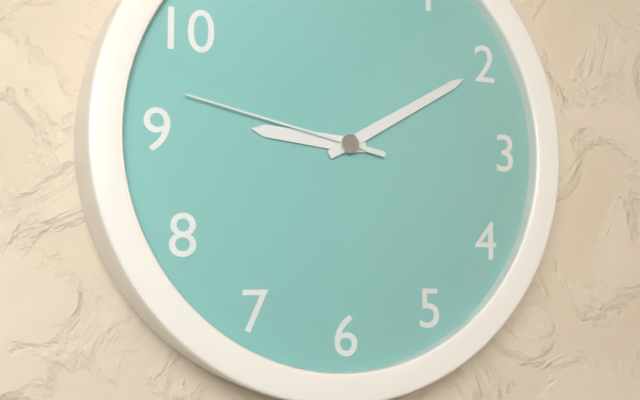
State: 9:10:47
